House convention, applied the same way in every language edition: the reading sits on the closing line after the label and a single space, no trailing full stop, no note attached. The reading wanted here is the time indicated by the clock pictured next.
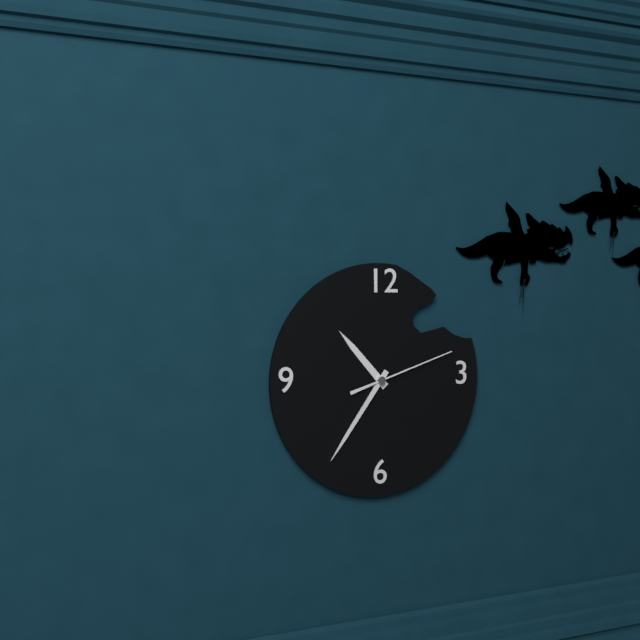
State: 10:36:12
